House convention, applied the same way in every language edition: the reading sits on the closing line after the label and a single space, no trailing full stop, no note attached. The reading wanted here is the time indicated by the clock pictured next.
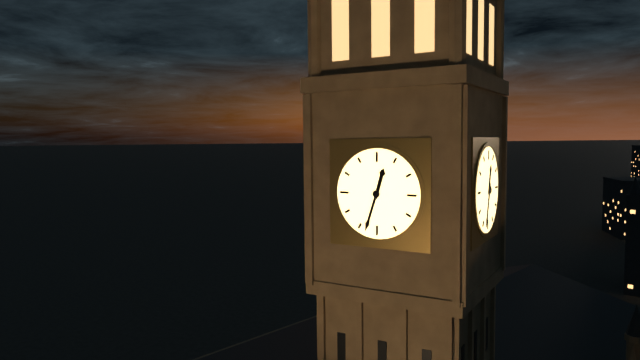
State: 12:33
